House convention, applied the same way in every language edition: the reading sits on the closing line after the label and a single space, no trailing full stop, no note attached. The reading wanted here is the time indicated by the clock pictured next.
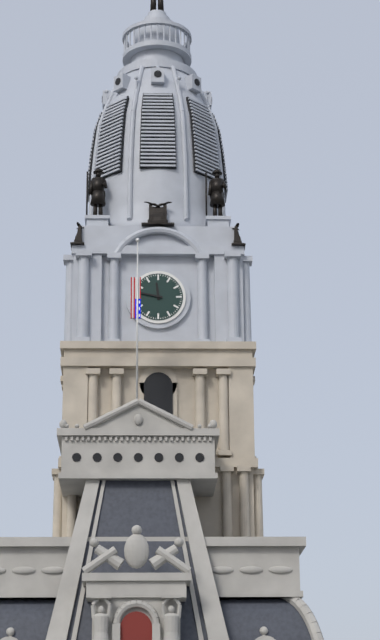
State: 11:47
